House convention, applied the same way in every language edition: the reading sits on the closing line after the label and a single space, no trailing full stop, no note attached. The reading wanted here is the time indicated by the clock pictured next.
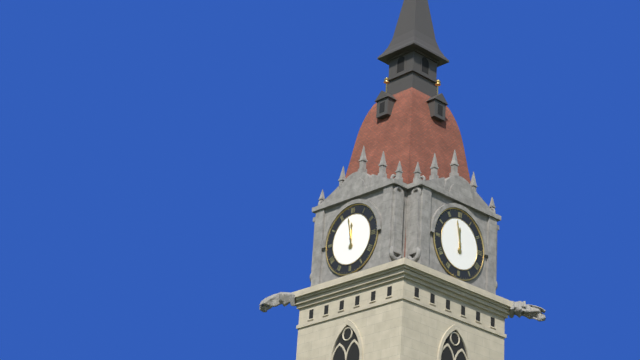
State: 11:58
